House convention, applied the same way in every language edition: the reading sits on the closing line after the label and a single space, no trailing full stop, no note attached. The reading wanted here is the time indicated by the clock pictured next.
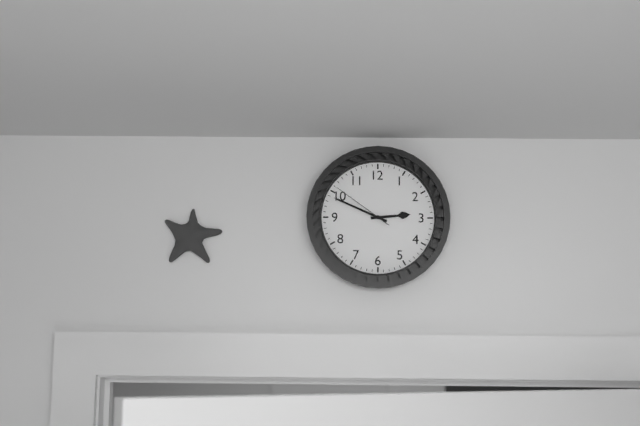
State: 2:49:51
